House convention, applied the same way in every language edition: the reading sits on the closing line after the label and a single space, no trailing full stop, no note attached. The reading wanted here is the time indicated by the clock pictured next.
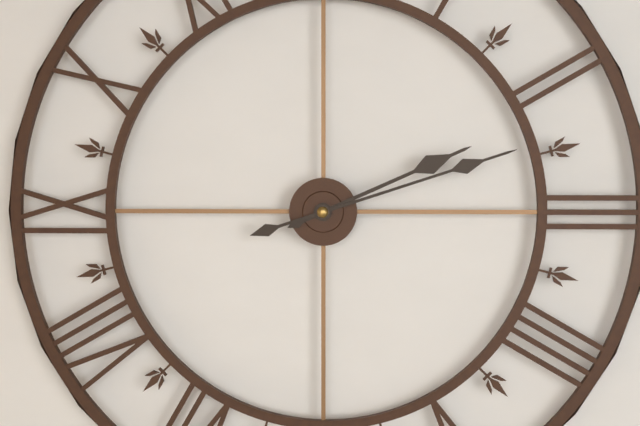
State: 2:12
